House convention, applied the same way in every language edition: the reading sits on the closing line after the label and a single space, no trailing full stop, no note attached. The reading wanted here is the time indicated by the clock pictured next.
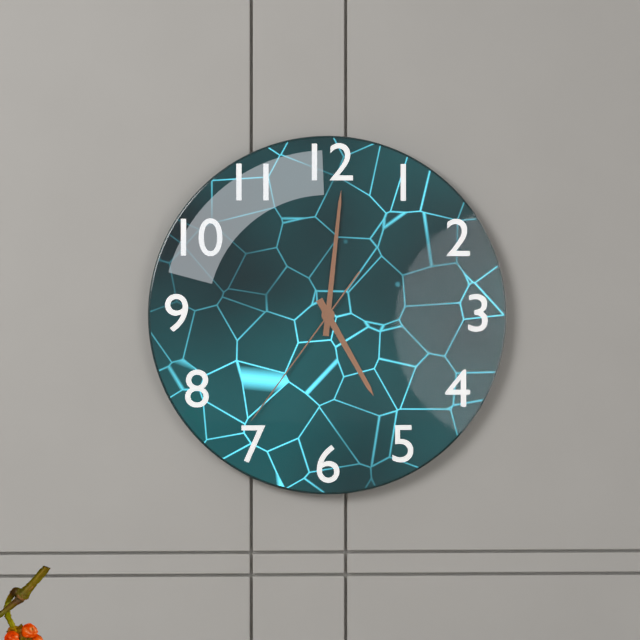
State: 5:01:36
